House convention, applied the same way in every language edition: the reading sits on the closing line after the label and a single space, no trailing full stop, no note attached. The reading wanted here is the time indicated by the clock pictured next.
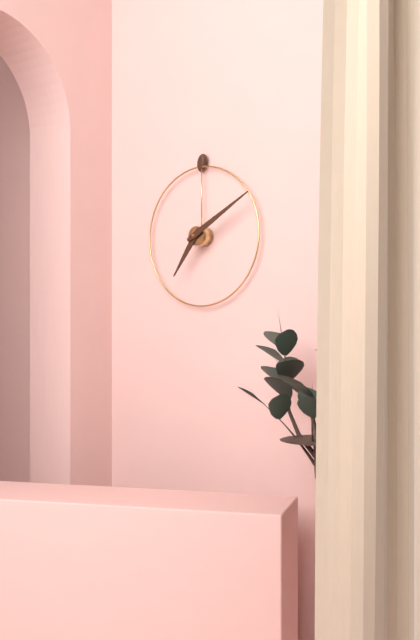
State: 7:10
